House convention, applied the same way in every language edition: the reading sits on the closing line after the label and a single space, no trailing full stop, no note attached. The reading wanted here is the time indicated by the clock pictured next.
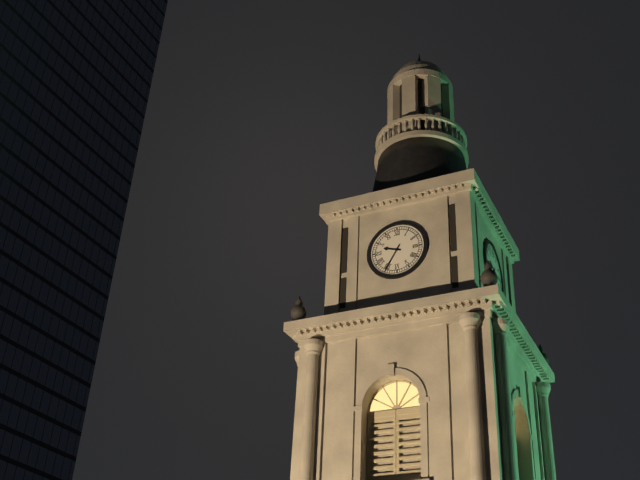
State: 9:35
